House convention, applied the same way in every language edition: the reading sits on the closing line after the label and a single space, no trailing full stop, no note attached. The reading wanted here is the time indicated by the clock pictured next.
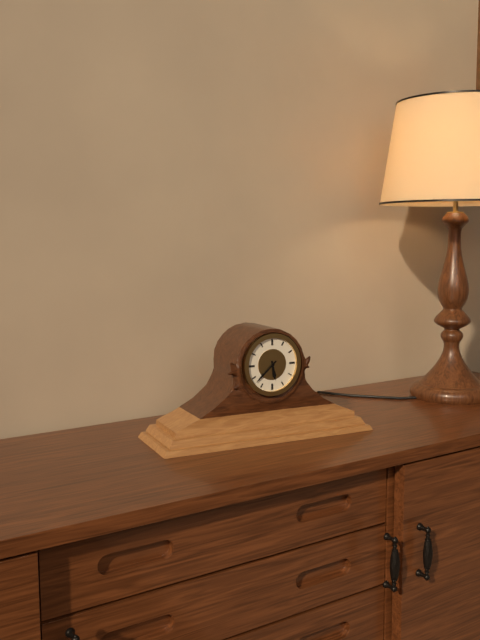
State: 5:38
